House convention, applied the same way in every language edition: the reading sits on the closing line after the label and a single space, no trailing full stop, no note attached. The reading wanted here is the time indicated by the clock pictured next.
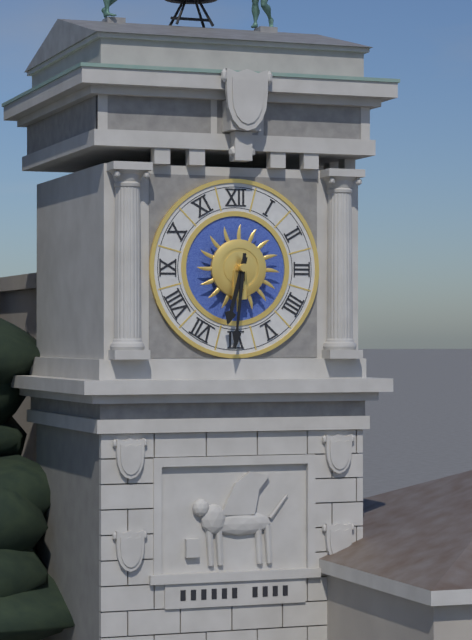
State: 6:31
